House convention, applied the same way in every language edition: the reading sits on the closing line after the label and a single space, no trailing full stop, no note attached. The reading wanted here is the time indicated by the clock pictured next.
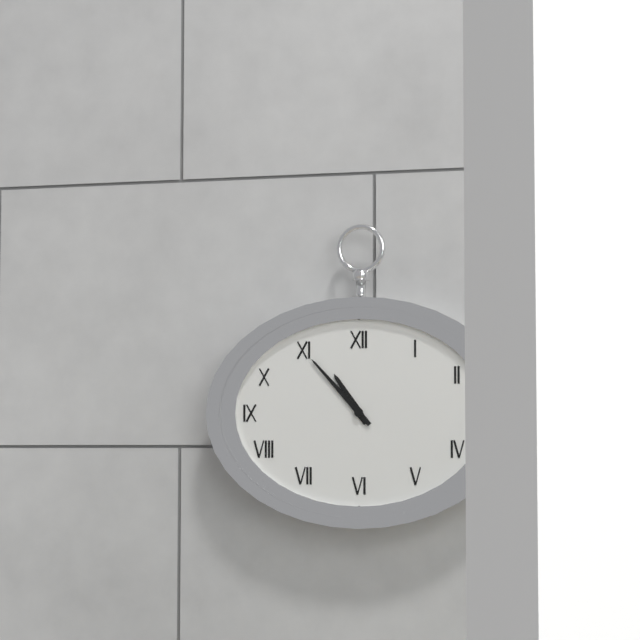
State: 10:53
